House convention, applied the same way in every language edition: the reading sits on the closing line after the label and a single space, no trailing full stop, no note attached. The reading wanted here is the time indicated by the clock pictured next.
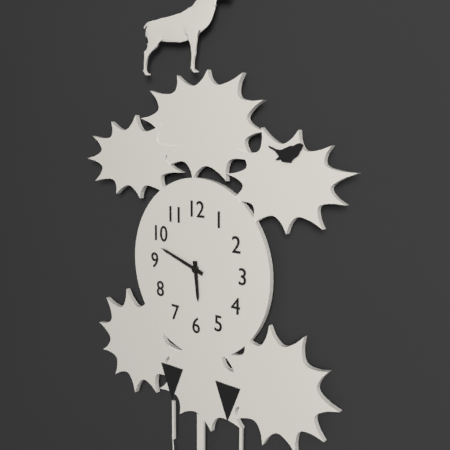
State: 5:48
